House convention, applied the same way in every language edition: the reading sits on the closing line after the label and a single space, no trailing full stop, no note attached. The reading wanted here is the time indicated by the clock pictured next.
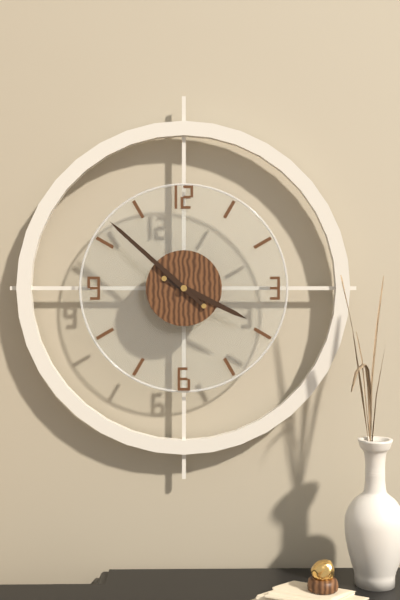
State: 3:52
